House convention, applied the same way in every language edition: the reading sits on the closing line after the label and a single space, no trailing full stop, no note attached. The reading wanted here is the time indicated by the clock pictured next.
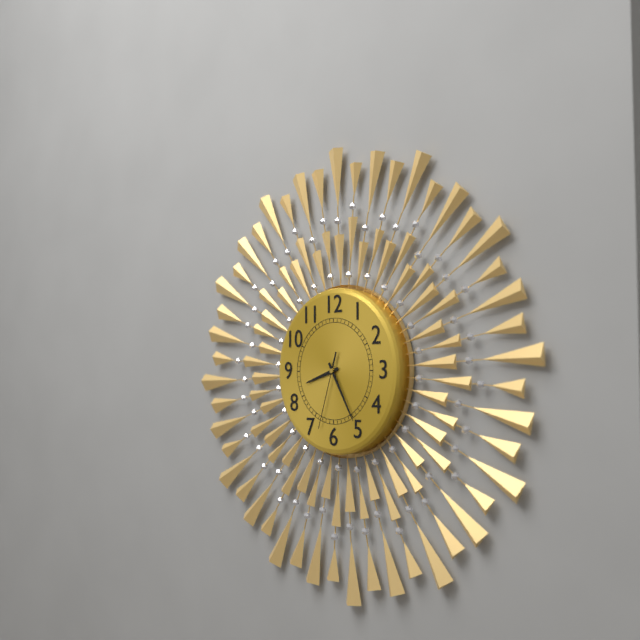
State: 8:25:33
